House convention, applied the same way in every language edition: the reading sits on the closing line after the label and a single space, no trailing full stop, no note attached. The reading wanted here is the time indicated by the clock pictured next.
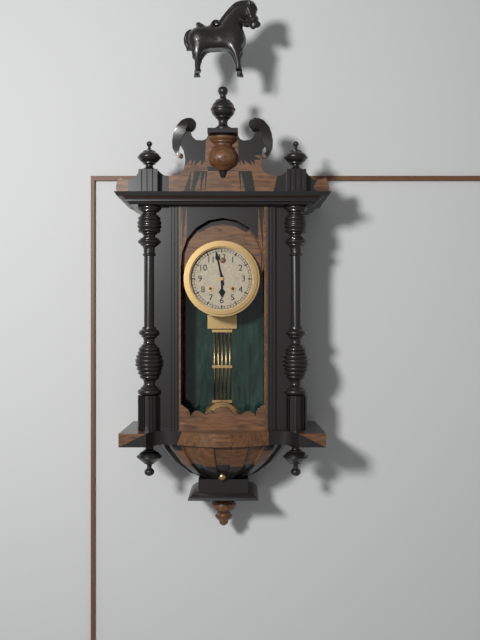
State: 5:58
